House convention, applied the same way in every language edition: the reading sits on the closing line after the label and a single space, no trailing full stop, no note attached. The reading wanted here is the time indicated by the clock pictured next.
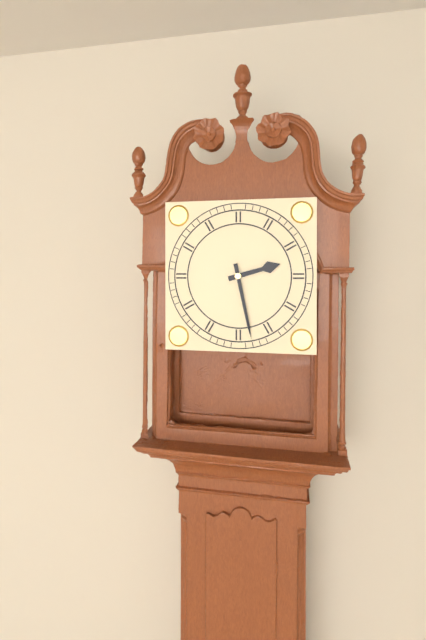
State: 2:28
